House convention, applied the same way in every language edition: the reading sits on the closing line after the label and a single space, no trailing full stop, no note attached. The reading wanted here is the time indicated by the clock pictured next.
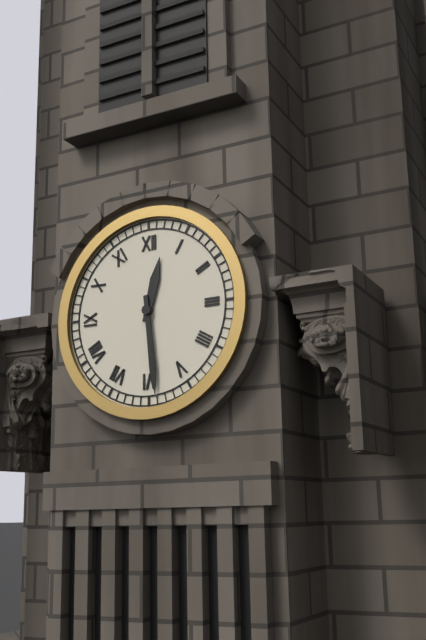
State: 12:29
